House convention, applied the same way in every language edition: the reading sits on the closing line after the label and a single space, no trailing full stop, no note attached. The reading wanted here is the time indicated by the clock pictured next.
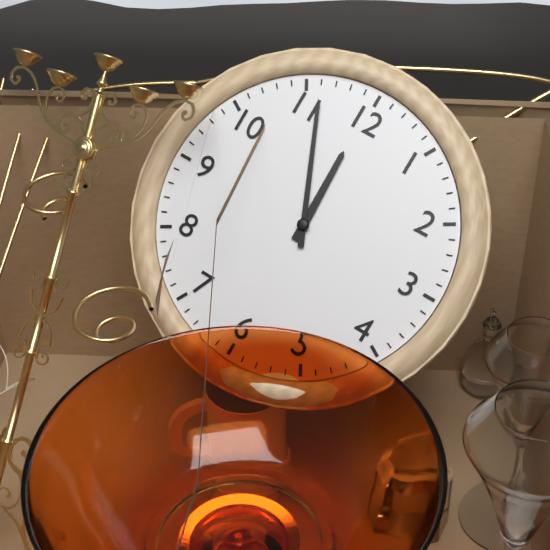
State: 11:56
